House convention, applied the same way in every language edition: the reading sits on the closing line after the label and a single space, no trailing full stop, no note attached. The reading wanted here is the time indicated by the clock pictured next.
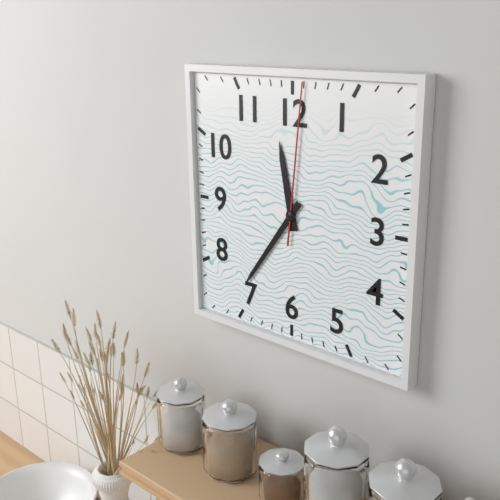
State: 11:36:01
